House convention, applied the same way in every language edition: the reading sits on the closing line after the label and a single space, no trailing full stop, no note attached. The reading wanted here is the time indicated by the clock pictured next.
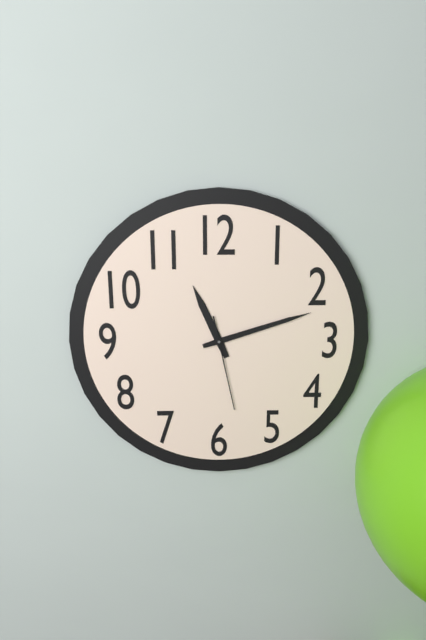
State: 11:12:28
